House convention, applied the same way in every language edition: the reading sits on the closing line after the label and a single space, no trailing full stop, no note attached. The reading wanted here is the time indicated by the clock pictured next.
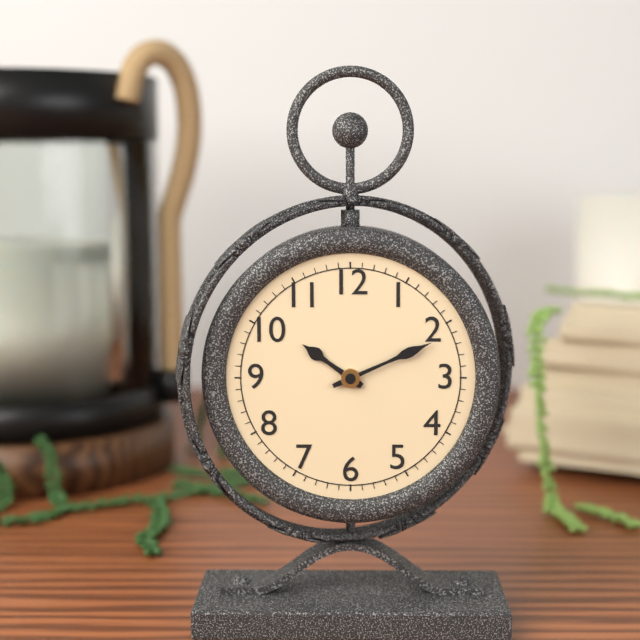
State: 10:11
